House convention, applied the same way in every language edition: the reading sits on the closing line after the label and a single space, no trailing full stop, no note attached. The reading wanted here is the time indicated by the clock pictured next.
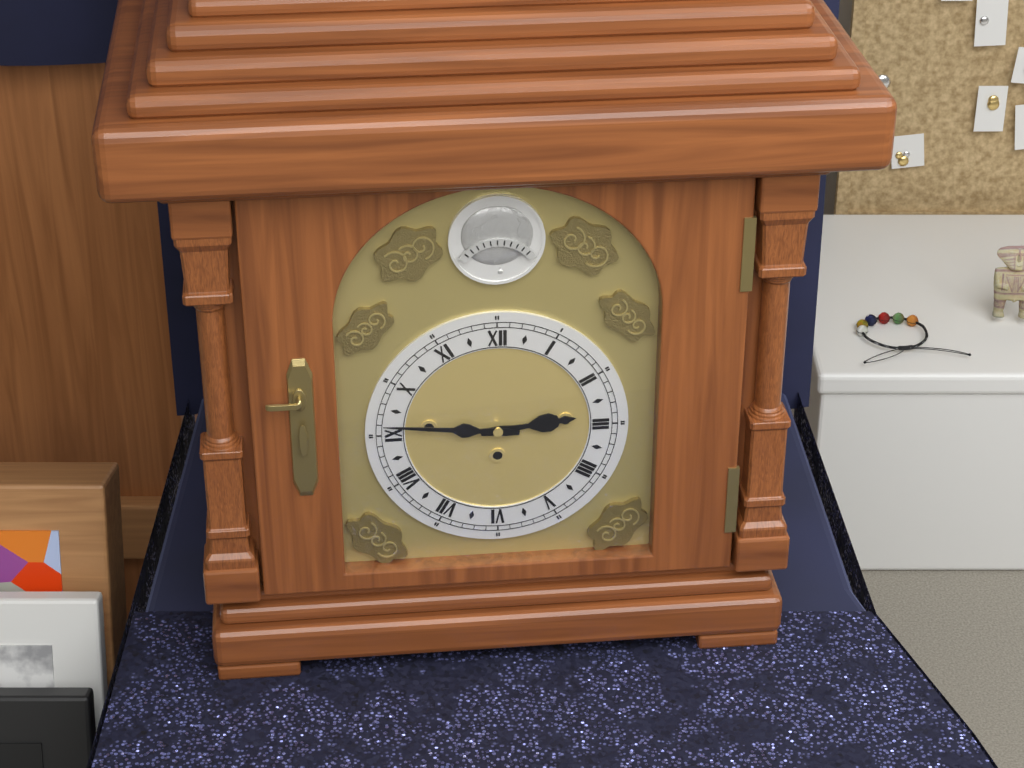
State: 2:46
